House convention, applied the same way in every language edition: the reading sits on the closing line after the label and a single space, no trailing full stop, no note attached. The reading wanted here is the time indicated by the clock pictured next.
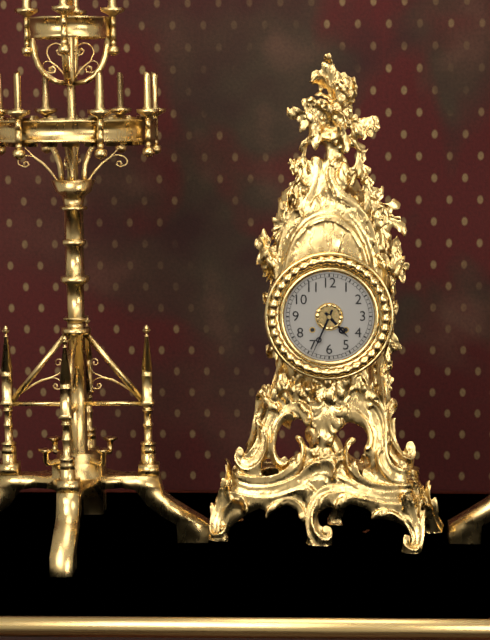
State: 4:34
